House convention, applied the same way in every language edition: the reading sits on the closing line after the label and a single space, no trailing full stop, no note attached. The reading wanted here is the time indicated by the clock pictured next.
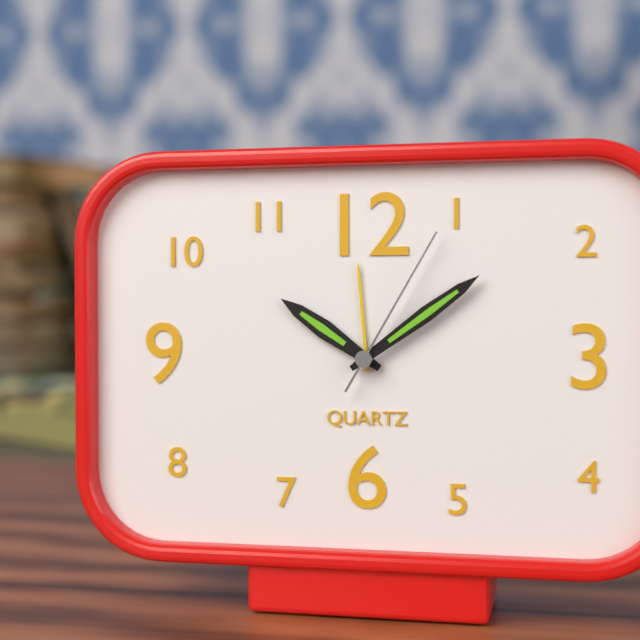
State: 10:09:05
